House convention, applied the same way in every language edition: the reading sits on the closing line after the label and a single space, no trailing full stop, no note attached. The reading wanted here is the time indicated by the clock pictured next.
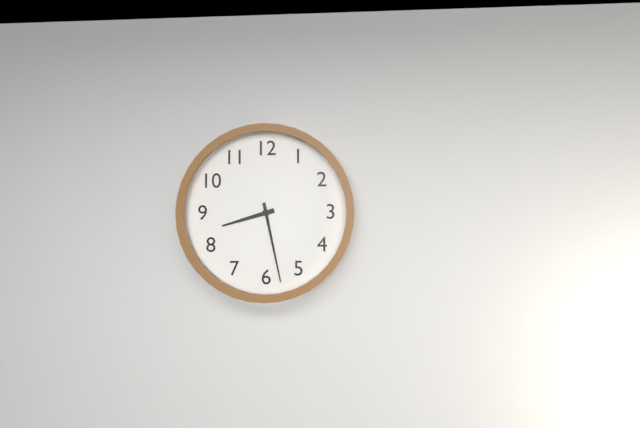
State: 8:28
